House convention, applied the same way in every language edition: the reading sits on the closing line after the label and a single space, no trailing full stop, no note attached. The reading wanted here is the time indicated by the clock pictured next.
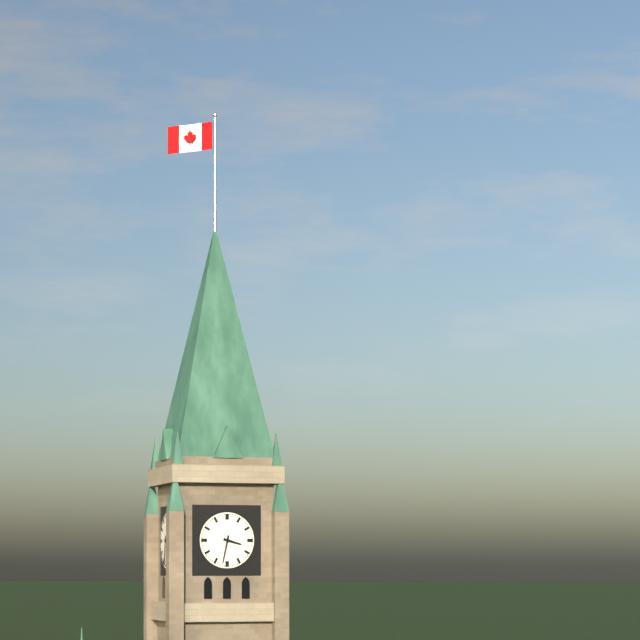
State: 3:32
